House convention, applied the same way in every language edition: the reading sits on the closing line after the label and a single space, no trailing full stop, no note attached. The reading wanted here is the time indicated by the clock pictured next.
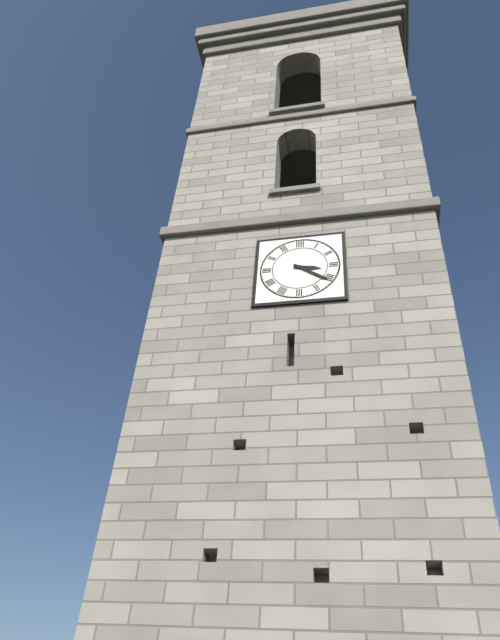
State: 3:21
